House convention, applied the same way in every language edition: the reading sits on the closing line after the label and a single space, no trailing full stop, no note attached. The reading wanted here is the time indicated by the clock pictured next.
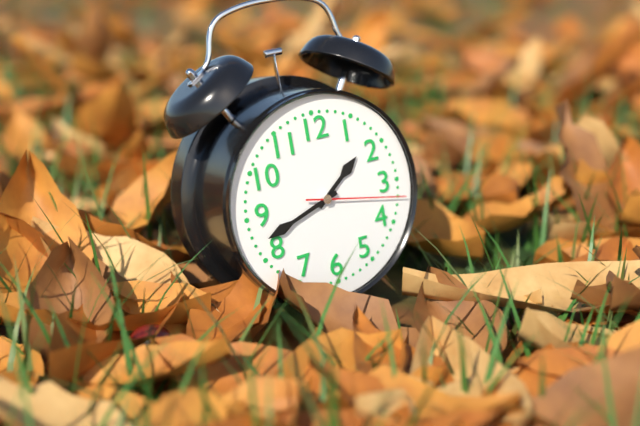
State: 1:42:17
